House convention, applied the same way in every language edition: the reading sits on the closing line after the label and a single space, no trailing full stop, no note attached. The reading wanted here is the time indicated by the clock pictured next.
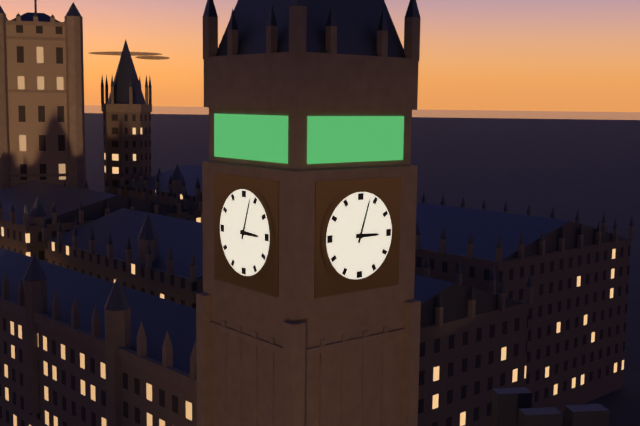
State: 3:03
